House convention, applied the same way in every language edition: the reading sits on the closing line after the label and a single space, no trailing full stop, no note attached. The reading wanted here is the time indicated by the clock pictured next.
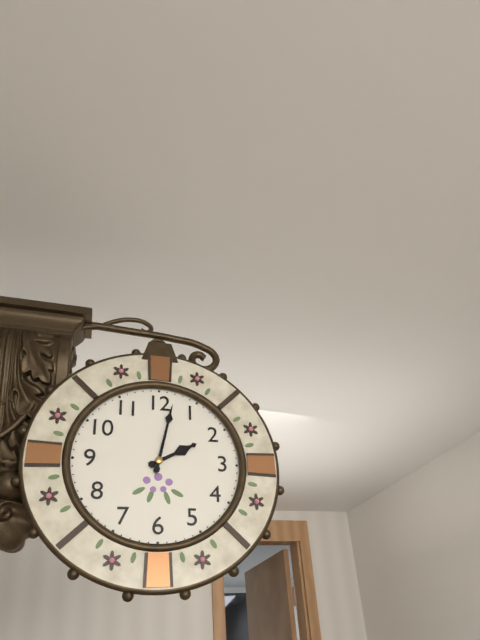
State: 2:02
